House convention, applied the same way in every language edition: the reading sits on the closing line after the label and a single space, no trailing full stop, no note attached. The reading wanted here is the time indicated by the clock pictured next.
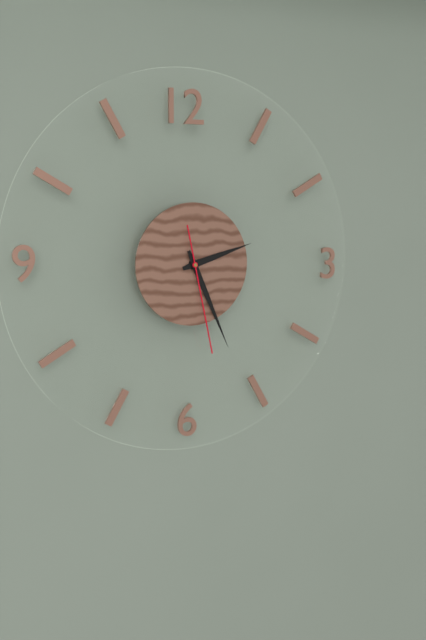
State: 2:26:28
